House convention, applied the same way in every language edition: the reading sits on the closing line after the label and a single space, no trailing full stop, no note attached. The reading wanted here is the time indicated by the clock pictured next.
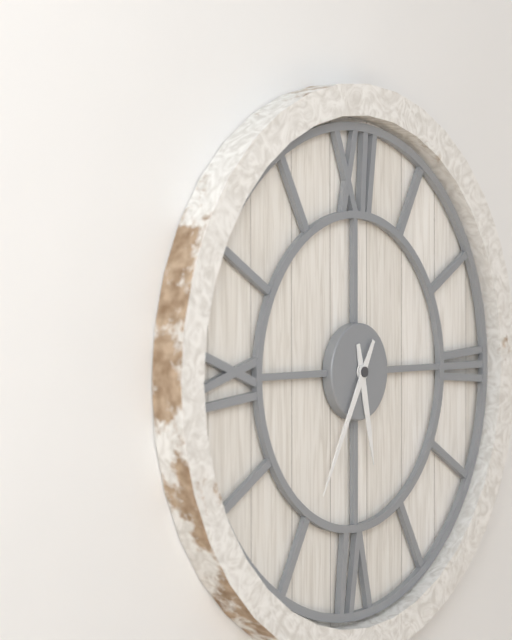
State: 5:35
